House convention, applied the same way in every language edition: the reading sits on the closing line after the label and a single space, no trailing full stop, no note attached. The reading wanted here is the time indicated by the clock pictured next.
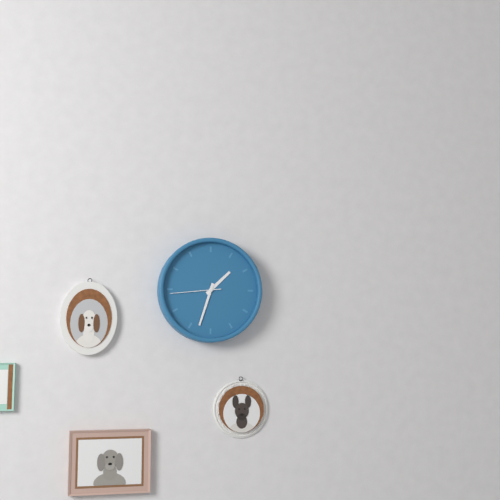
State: 1:33:44
